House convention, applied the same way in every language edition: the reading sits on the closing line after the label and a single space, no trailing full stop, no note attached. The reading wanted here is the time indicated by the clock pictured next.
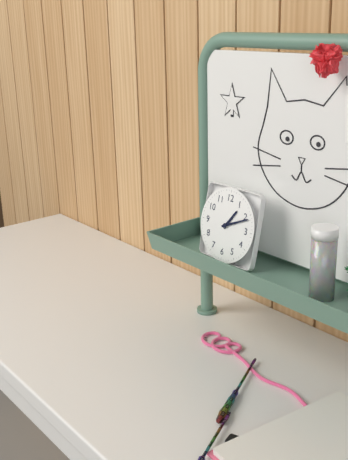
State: 1:11
